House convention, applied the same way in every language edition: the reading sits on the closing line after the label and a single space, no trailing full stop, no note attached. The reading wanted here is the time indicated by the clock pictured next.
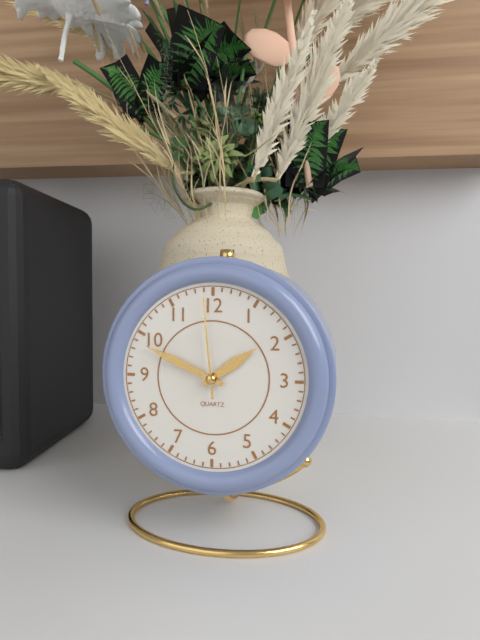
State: 1:49:59
